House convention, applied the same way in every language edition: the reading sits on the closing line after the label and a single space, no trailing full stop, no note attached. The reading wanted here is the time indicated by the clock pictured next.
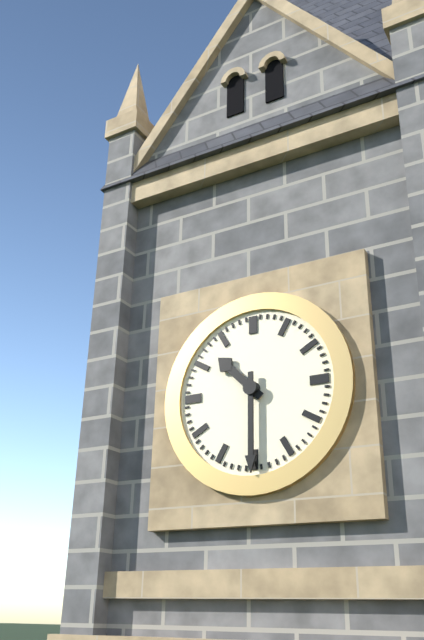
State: 10:30
